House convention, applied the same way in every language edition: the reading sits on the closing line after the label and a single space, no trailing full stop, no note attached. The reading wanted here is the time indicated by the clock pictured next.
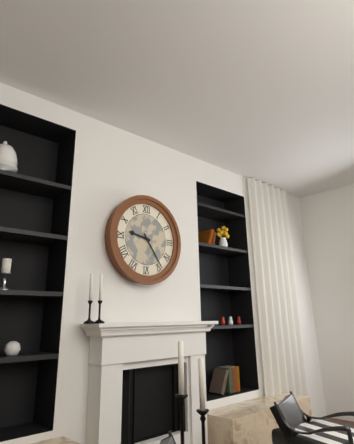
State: 9:24
